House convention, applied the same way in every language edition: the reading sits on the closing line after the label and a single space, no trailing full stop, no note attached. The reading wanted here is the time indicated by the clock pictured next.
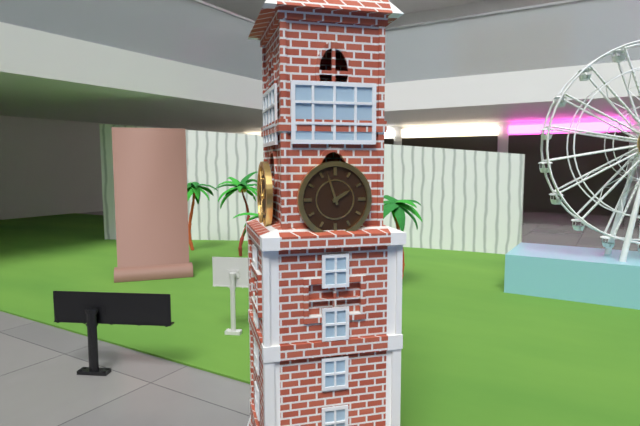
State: 1:57
